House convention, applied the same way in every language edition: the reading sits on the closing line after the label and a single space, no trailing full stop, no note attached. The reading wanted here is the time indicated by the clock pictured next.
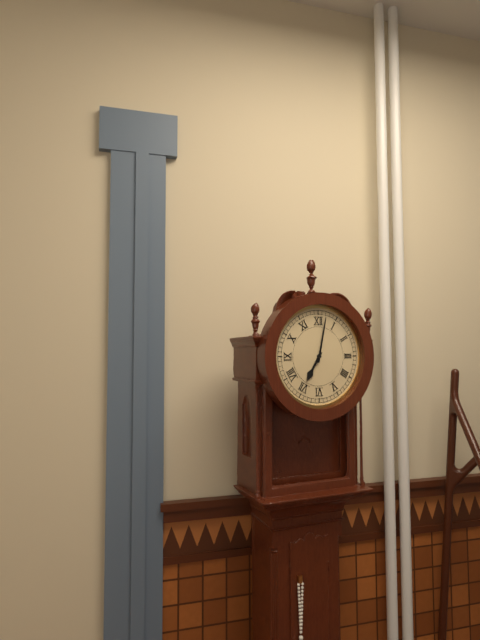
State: 7:02
